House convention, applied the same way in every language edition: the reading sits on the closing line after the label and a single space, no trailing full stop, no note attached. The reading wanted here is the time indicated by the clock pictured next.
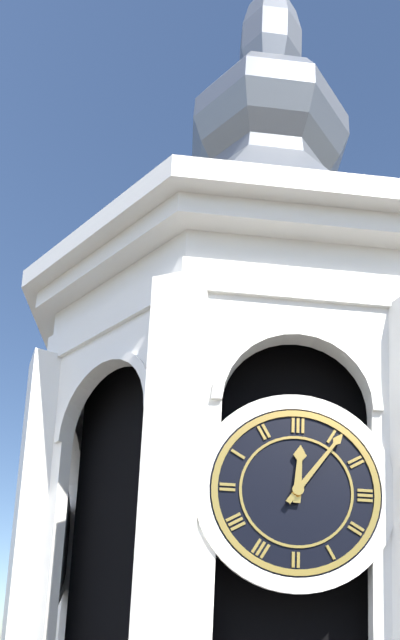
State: 12:06
